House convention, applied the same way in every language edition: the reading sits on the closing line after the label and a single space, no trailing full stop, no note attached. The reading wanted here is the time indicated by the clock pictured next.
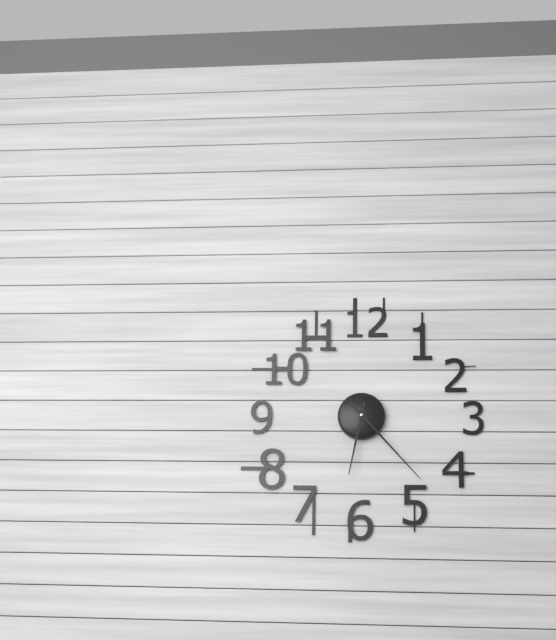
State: 6:23
